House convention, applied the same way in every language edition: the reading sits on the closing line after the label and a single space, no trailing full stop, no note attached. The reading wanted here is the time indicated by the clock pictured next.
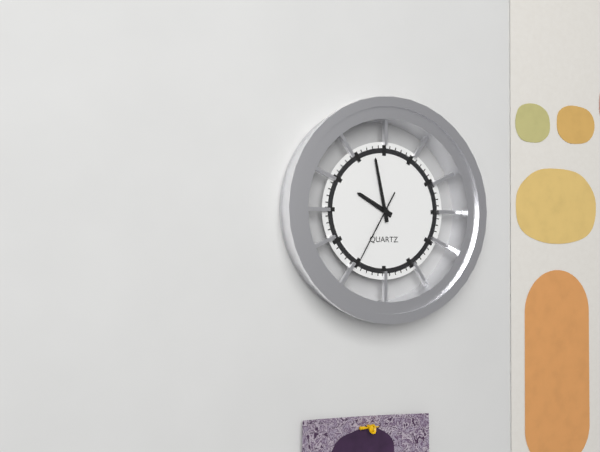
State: 9:58:35
